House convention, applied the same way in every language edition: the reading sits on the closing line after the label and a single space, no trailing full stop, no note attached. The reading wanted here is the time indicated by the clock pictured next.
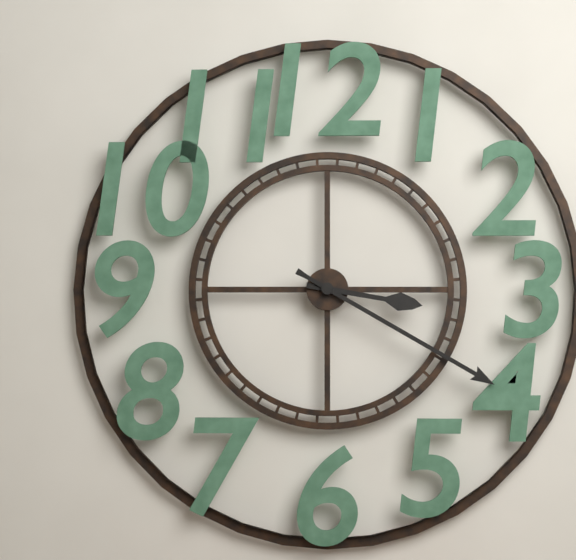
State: 3:20
